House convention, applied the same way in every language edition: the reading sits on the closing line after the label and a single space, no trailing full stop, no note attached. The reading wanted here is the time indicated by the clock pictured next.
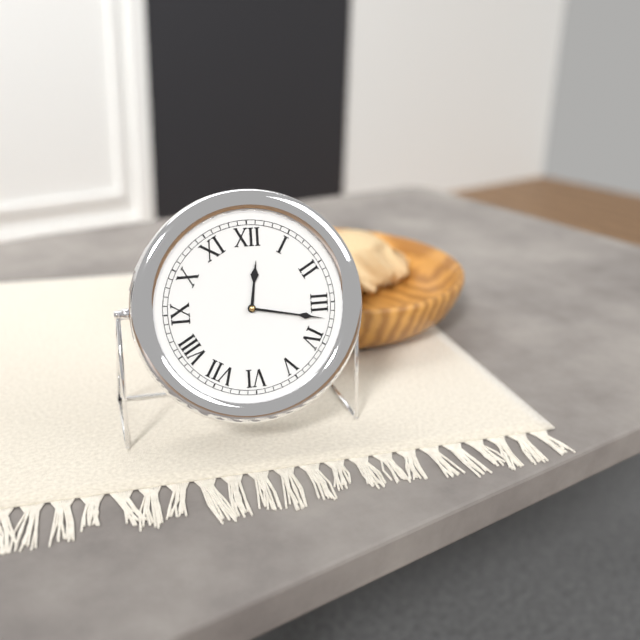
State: 12:17
